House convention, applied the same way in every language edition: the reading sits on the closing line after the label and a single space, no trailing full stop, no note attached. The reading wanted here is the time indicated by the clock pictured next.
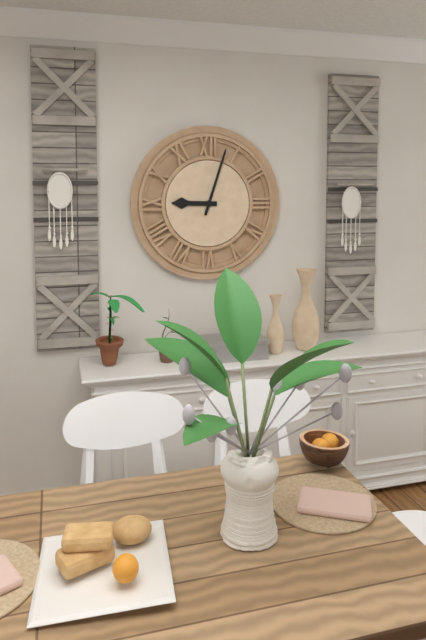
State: 9:03
